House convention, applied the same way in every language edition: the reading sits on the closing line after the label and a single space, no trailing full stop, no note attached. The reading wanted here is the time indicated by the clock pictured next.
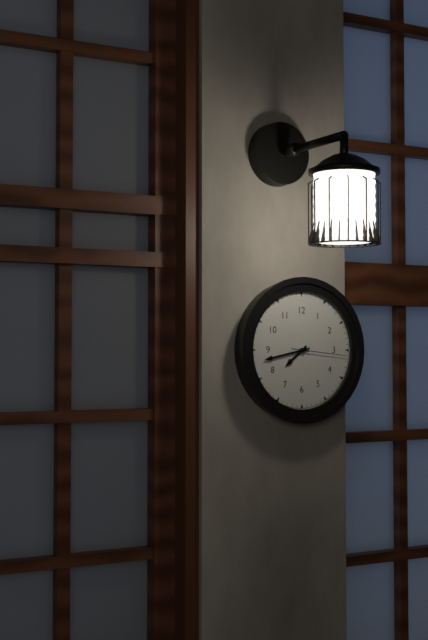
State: 7:43:16
